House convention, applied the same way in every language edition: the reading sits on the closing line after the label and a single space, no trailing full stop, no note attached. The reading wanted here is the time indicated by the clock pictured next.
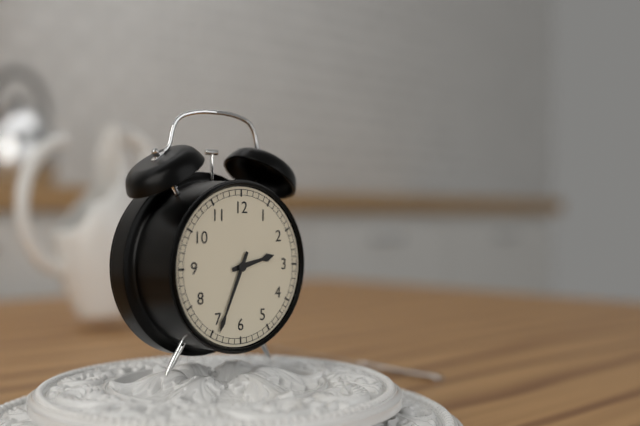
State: 2:34
